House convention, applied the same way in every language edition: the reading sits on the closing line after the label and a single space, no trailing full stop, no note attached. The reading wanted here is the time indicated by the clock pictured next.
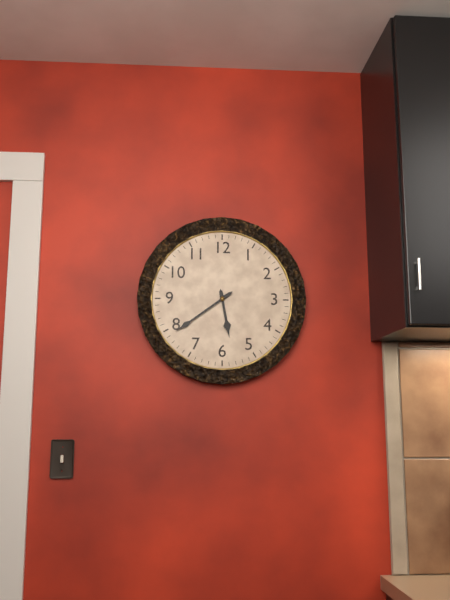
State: 5:39
